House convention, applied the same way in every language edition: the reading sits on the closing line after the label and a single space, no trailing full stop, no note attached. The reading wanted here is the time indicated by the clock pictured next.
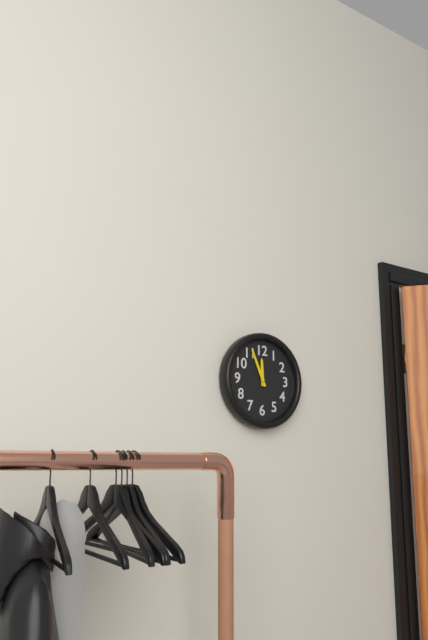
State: 11:56
